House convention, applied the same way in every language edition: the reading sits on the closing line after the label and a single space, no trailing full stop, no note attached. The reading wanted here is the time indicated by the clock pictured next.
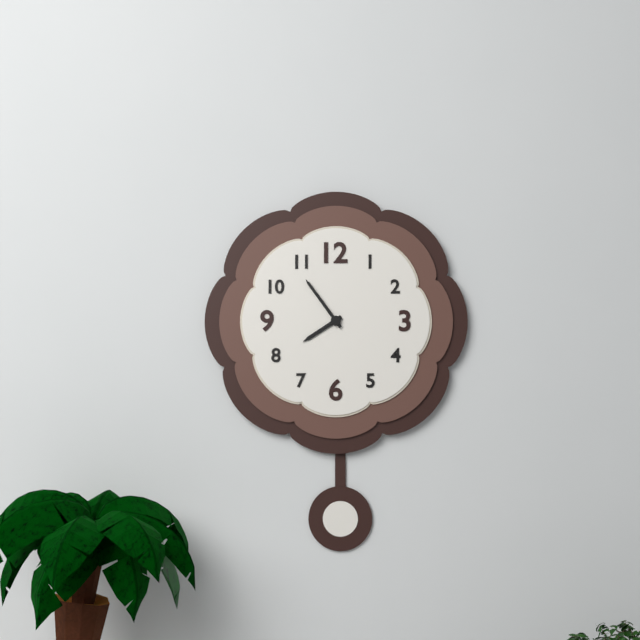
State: 7:54
